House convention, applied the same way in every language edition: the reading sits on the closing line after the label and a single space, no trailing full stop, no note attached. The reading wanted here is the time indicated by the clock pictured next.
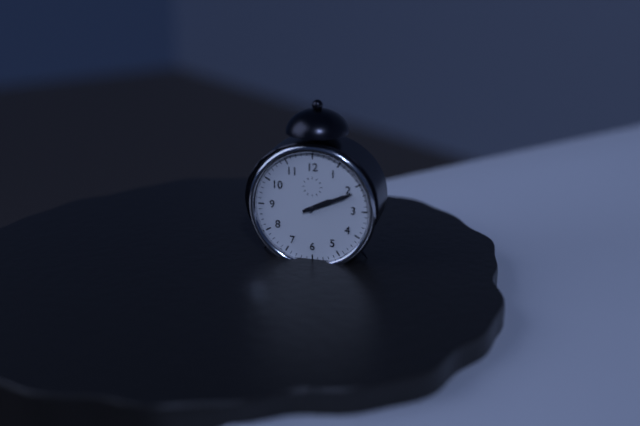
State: 2:11
